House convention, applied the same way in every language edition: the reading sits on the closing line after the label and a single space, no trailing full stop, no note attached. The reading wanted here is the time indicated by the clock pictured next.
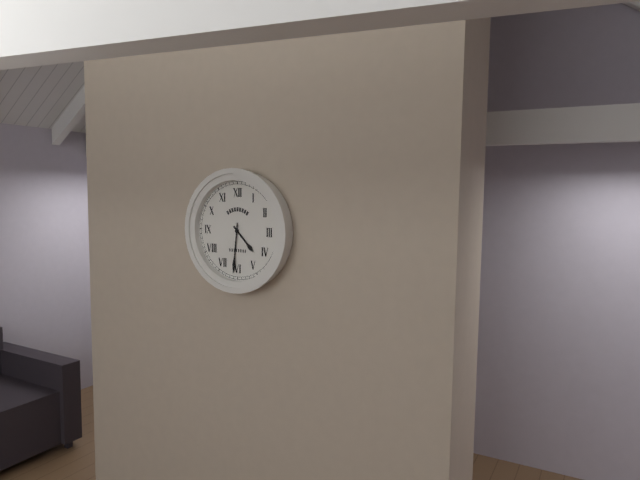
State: 4:31
